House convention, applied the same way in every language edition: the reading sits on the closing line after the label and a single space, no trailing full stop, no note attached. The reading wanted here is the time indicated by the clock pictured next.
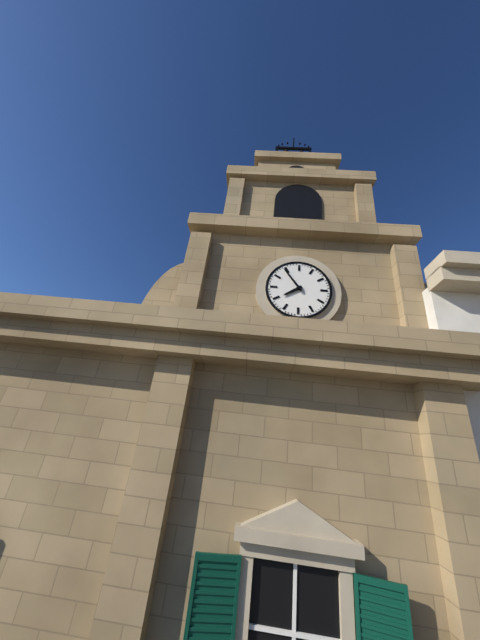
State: 7:54
